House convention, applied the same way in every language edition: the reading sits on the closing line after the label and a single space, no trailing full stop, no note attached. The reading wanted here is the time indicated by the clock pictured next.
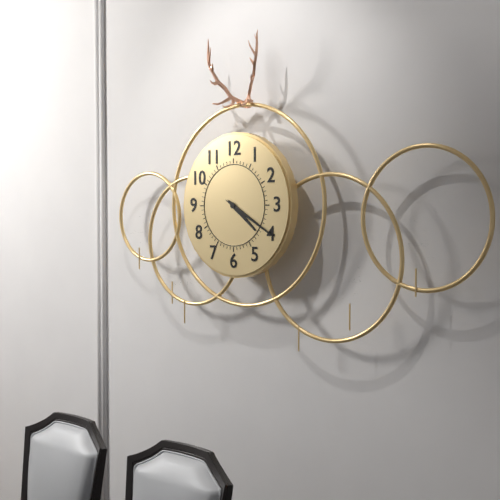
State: 4:20
